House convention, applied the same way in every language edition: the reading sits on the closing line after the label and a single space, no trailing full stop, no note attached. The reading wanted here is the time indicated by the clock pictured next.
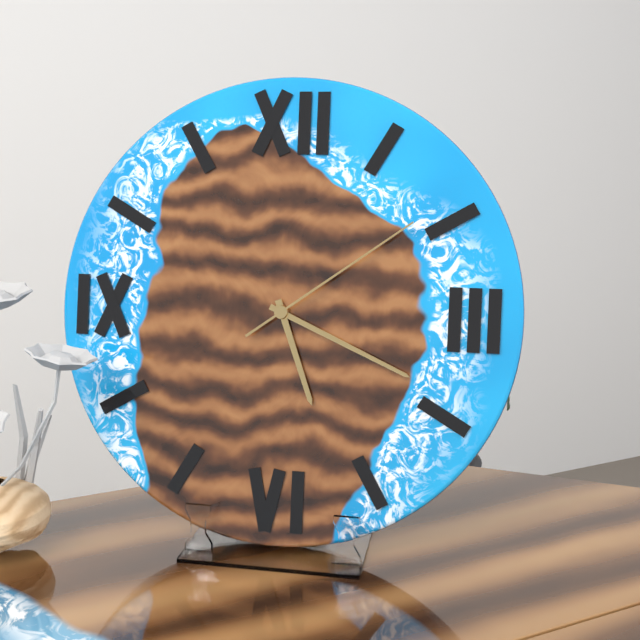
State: 5:19:09
